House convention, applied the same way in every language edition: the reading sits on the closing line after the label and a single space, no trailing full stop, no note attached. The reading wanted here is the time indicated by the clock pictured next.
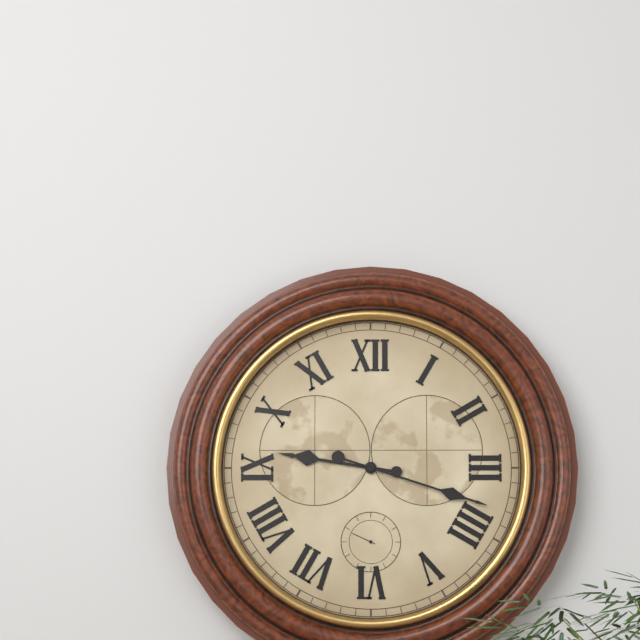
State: 9:18
